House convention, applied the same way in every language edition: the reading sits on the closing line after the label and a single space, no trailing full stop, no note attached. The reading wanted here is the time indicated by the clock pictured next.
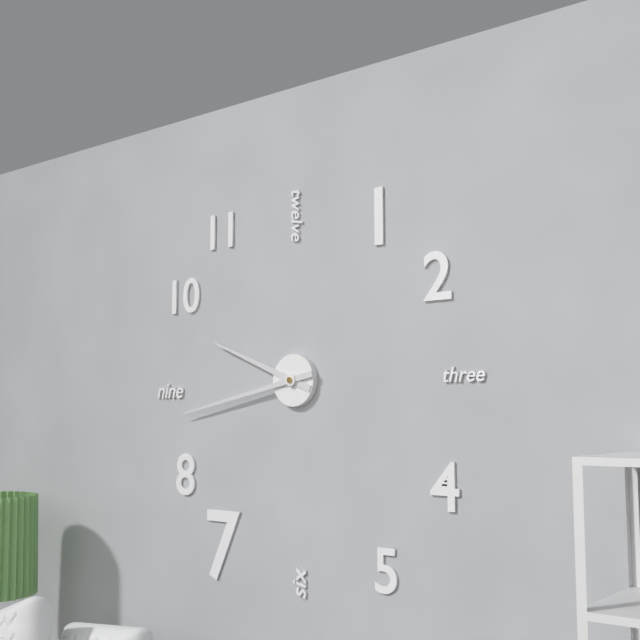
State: 9:43
